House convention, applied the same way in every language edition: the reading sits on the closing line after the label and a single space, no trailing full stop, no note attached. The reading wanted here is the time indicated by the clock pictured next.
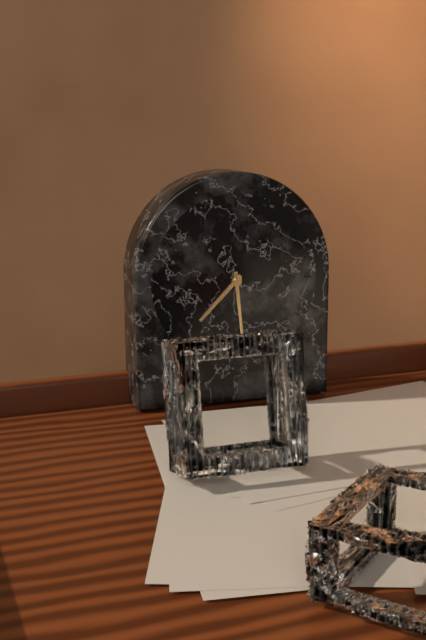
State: 7:29
